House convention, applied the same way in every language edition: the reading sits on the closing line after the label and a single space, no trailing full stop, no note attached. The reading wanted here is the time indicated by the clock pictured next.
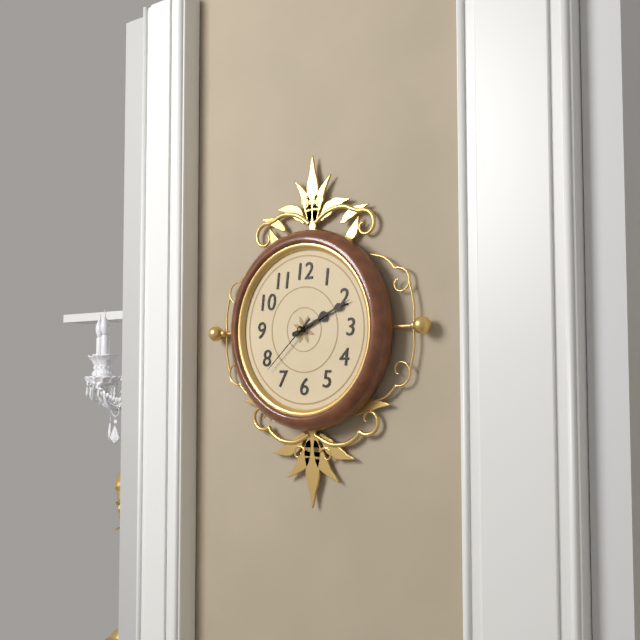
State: 2:11:38
